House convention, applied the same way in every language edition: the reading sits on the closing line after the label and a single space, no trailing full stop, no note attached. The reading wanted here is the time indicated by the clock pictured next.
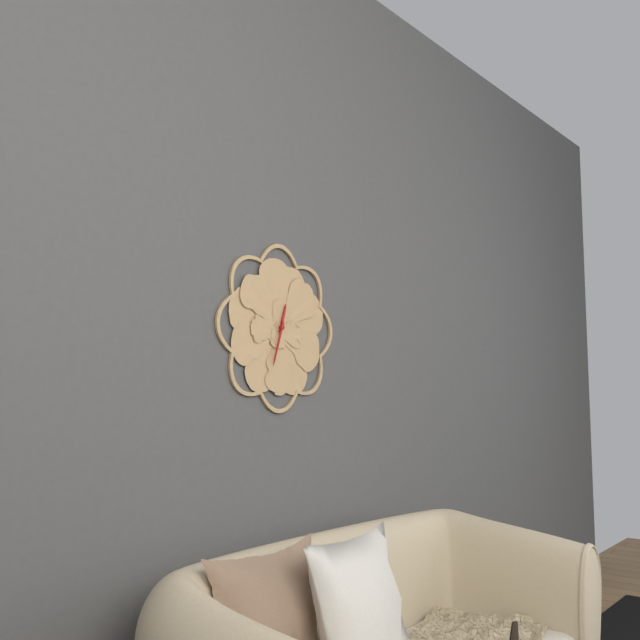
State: 12:33
